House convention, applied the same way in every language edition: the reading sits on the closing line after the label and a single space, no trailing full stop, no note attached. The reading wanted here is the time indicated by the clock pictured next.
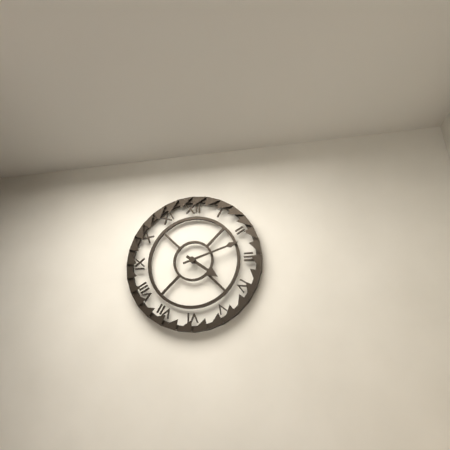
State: 4:12
